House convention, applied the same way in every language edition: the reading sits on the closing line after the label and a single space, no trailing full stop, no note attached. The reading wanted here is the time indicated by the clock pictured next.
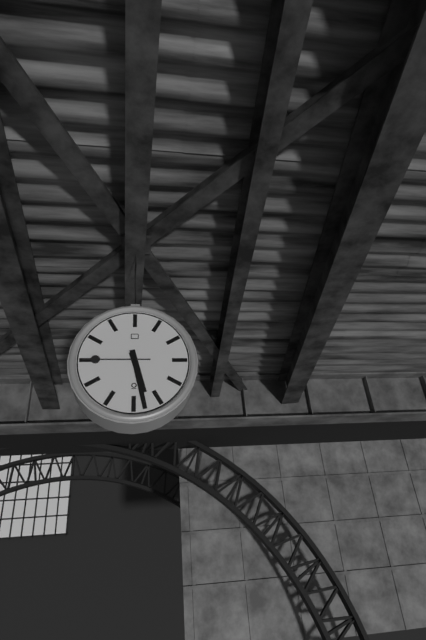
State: 5:28:45
